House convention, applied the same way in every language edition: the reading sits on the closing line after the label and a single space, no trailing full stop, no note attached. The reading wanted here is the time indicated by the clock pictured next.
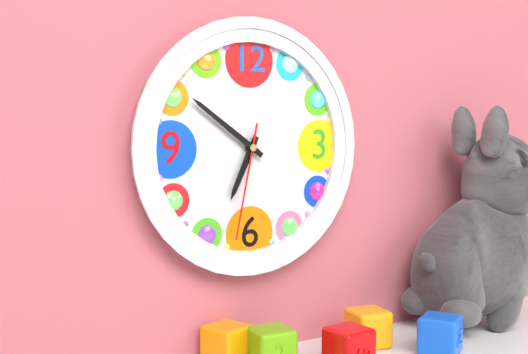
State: 6:51:32
